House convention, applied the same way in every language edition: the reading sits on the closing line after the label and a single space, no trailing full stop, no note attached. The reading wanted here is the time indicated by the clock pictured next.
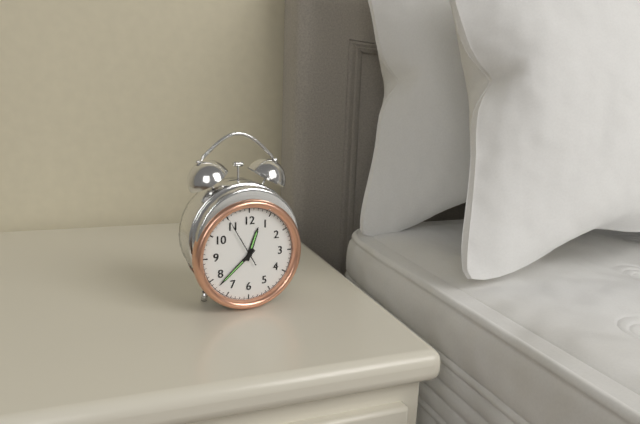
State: 12:38:55
